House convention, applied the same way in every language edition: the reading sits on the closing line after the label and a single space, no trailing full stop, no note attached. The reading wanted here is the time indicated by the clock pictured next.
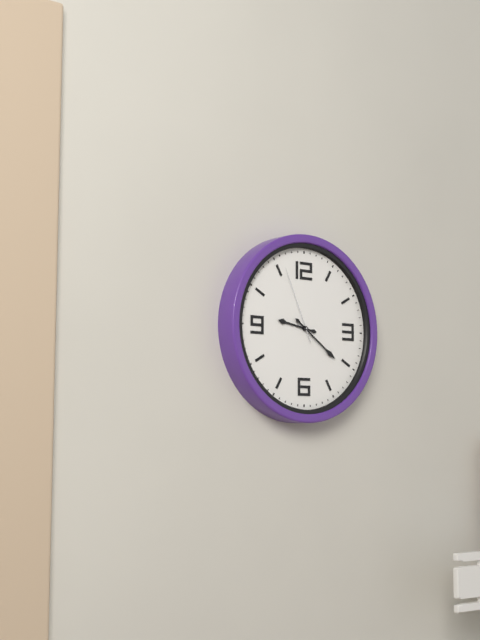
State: 9:21:56
